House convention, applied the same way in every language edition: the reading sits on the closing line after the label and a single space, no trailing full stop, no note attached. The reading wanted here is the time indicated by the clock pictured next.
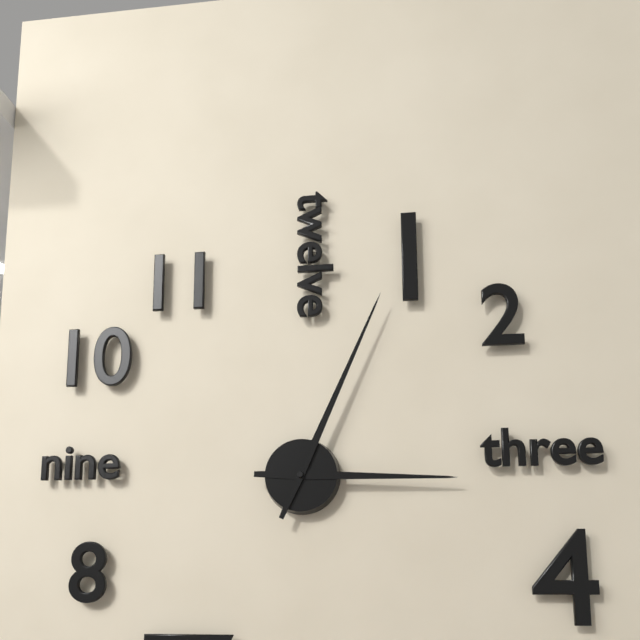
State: 3:04
